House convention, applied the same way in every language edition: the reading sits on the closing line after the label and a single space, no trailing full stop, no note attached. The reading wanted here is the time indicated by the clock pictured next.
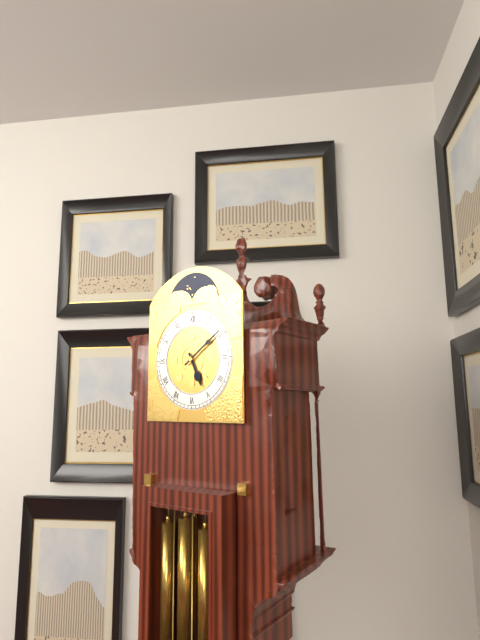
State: 5:09
